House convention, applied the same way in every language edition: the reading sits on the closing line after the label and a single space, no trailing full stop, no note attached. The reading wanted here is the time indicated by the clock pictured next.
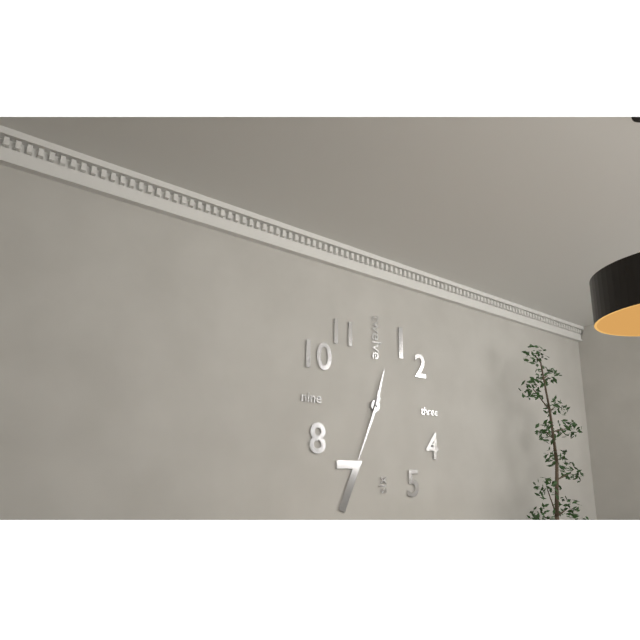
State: 12:34
